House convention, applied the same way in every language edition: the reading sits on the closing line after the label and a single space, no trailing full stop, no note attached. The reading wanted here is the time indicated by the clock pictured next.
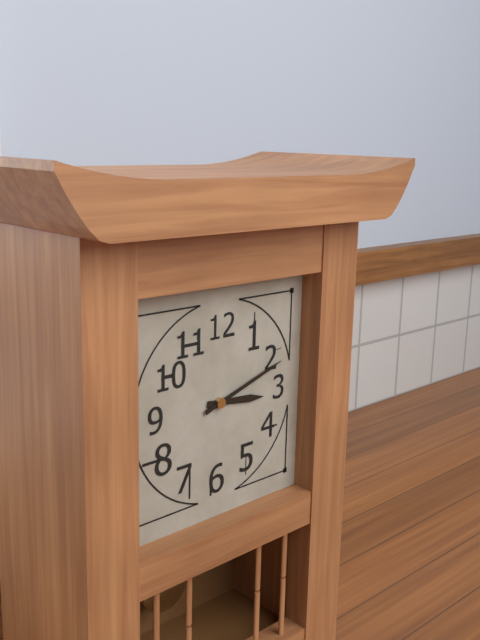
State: 3:12
